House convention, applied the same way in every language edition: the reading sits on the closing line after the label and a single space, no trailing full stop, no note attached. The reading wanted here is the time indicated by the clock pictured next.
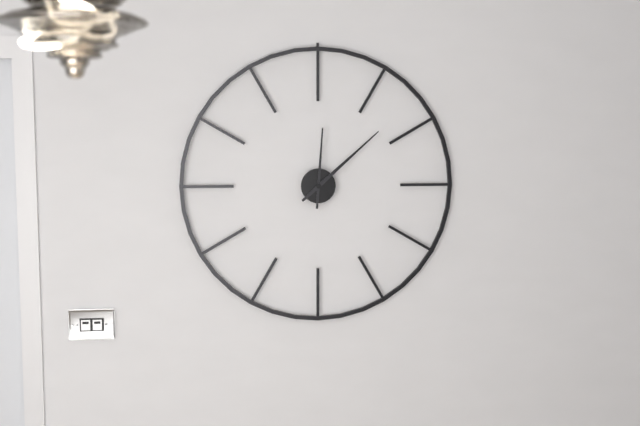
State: 12:08
